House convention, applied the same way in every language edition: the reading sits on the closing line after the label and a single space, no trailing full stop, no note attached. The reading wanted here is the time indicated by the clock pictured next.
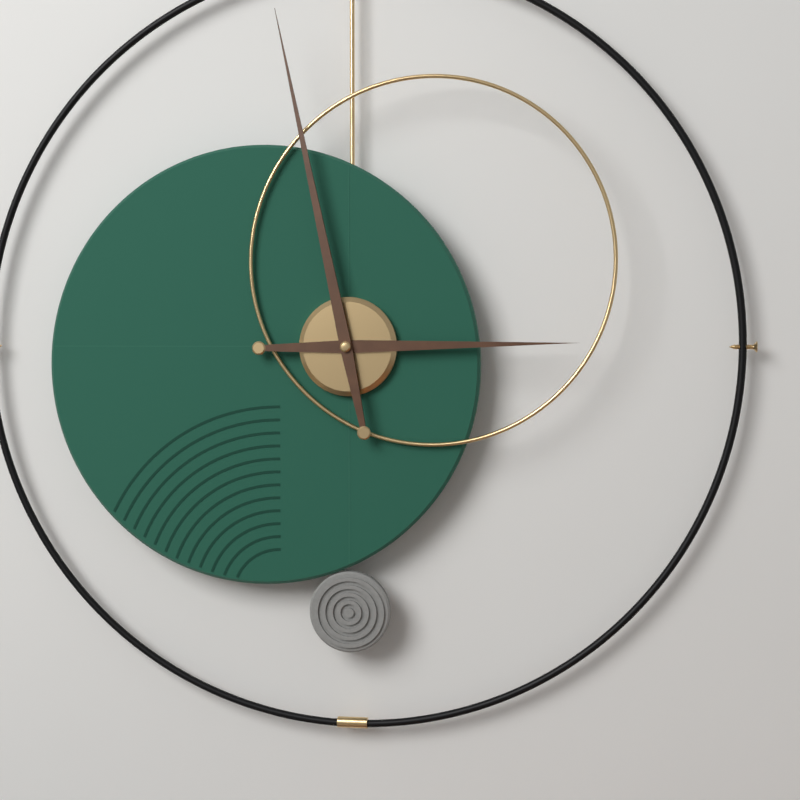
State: 2:58
